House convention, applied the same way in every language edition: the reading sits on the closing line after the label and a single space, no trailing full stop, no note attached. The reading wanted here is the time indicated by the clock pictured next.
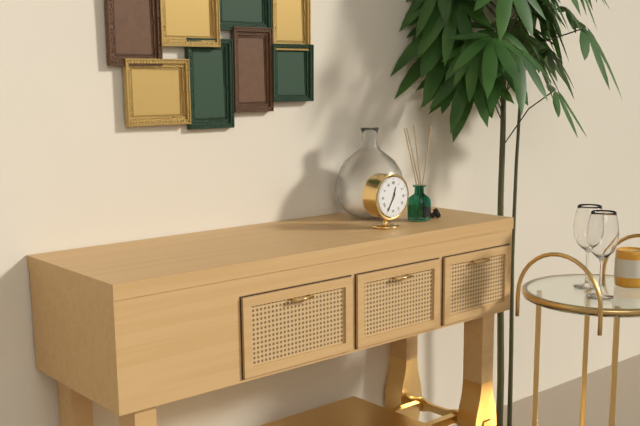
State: 12:35
